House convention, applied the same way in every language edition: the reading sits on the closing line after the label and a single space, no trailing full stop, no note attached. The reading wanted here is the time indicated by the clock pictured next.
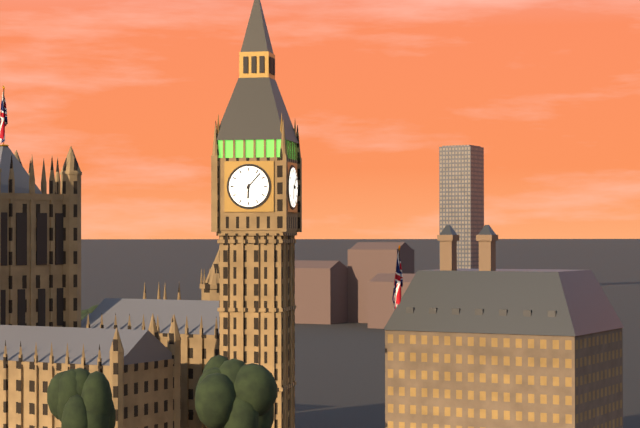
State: 6:07
